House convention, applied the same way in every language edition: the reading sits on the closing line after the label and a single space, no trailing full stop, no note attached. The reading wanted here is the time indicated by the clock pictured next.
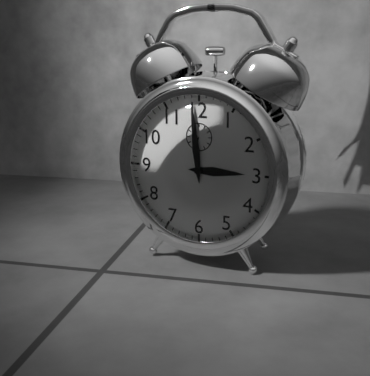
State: 2:59
